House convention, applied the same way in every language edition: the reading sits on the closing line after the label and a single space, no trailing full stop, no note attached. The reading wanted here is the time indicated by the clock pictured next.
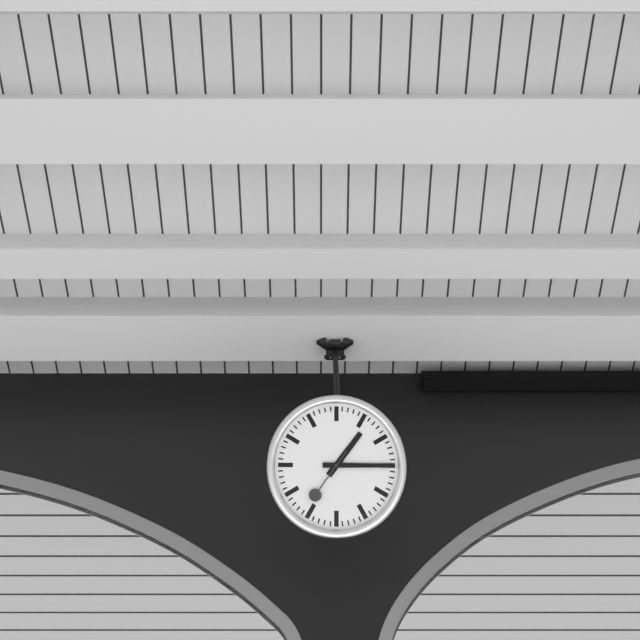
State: 1:15:36
